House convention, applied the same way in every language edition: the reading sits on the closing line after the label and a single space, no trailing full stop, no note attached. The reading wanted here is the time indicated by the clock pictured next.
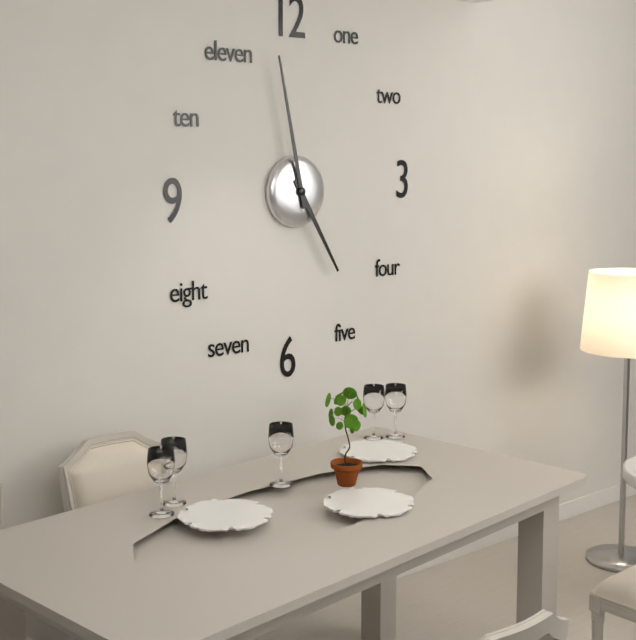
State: 4:58
